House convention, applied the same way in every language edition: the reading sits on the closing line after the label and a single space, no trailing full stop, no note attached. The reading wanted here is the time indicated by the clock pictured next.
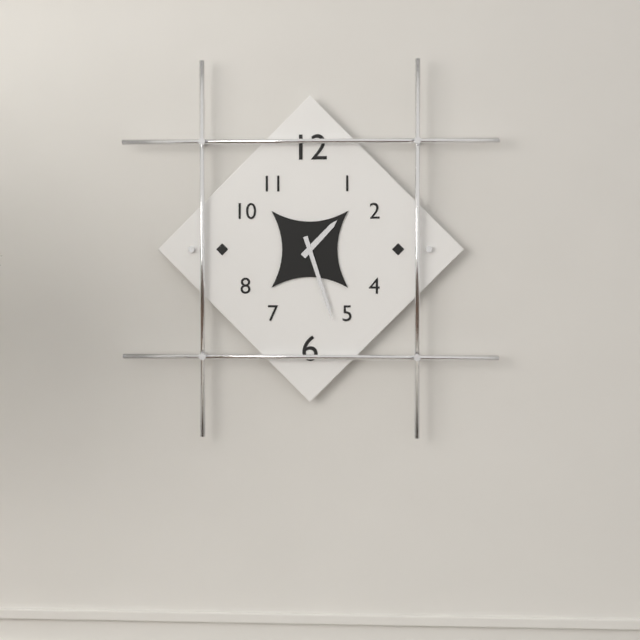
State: 1:27
